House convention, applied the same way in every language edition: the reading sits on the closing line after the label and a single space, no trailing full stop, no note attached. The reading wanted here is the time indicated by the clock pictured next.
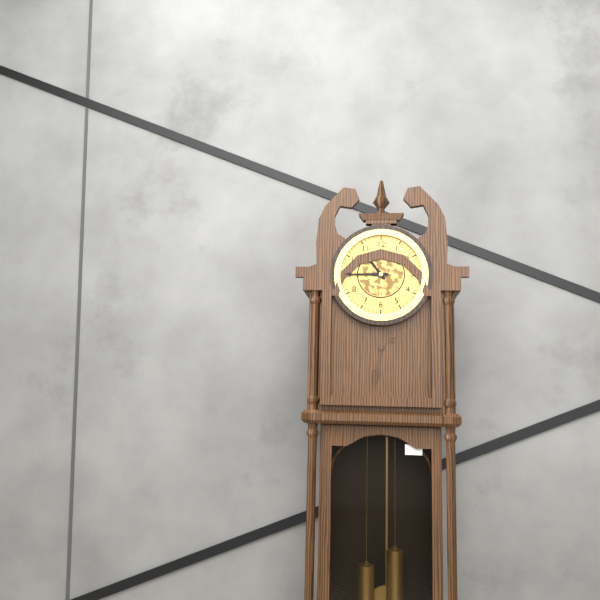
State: 10:45
